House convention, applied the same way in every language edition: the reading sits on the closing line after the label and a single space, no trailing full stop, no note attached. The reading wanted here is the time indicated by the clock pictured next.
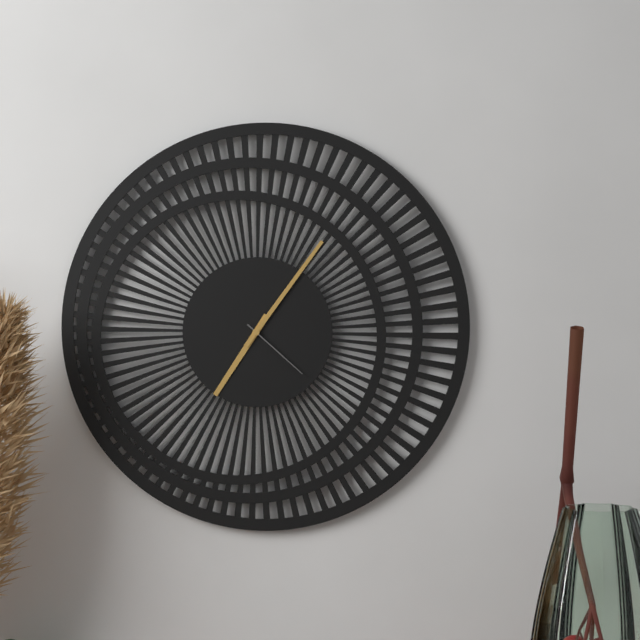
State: 7:06:22
